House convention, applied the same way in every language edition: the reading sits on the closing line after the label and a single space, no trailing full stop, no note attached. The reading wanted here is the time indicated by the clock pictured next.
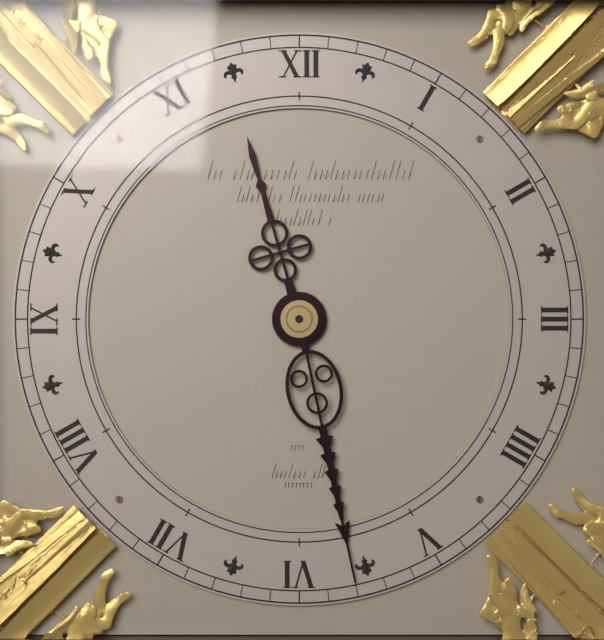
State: 11:28
